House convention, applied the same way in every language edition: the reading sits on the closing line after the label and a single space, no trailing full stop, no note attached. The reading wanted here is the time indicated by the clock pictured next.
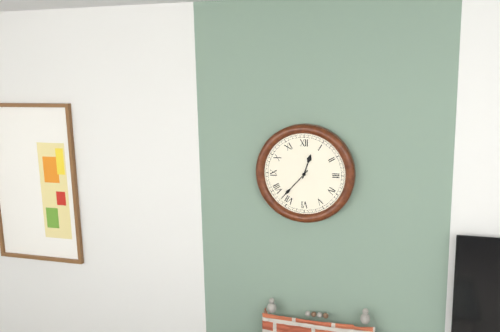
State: 12:37
